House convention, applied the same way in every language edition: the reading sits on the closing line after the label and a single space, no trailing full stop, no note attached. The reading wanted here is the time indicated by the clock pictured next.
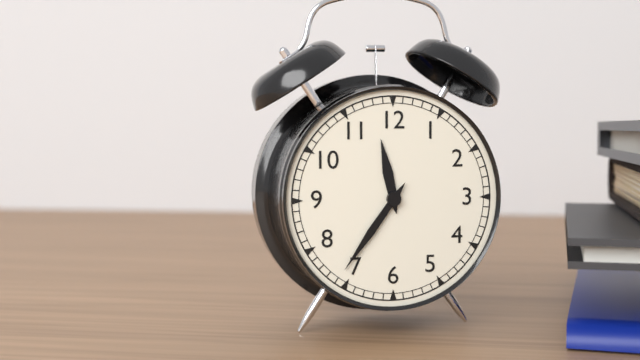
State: 11:36
